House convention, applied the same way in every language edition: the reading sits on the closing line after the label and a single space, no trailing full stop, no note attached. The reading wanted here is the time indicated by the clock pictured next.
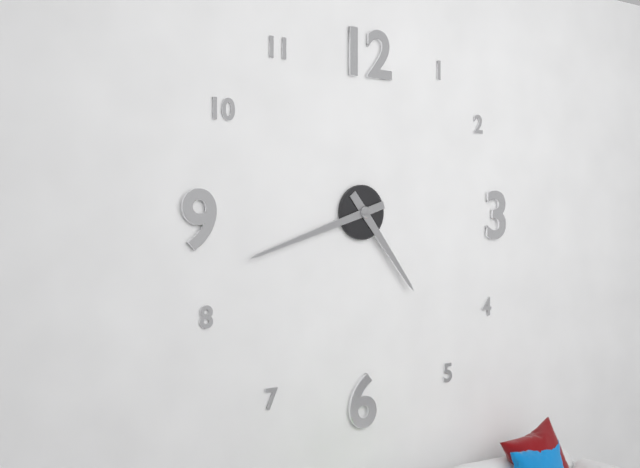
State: 4:42
